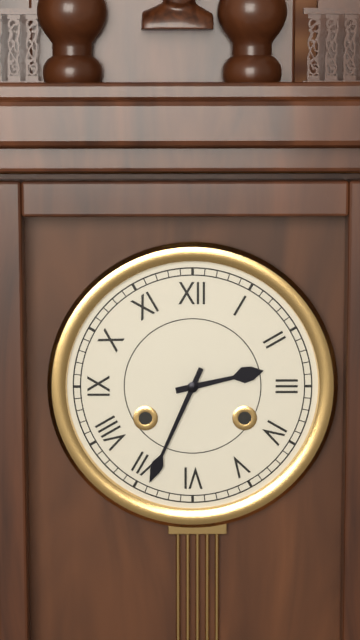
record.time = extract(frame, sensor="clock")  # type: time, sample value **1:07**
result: **2:34**
